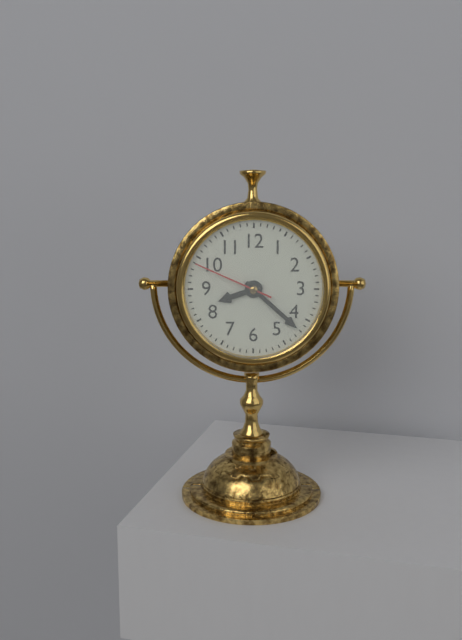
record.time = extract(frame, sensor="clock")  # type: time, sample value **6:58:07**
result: **8:22:49**
